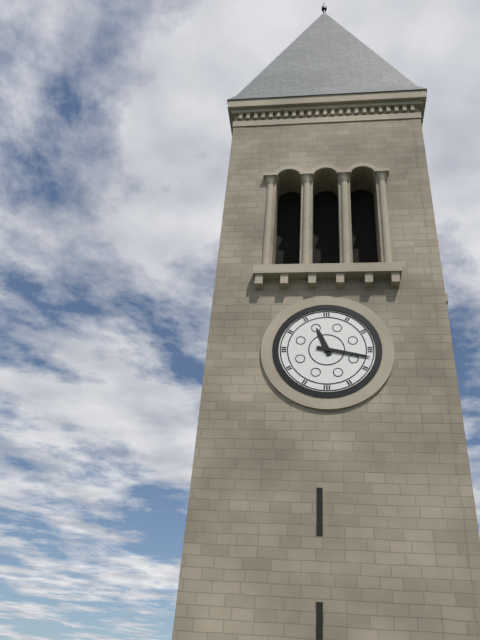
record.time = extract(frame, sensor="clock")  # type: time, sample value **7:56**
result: **11:17**
